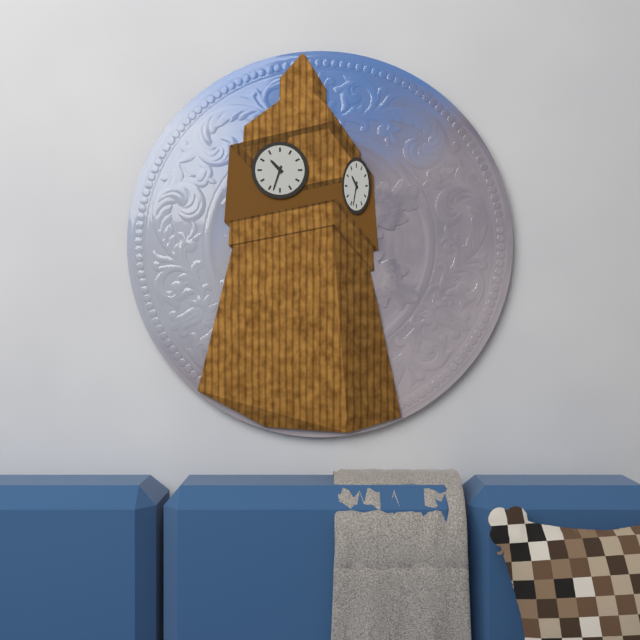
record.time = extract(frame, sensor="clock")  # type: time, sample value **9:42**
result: **10:33**
